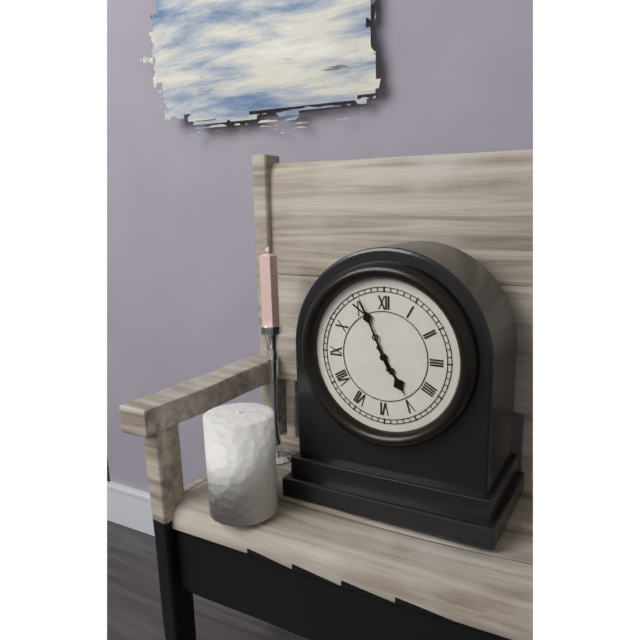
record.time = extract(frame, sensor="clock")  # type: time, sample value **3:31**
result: **4:56**
